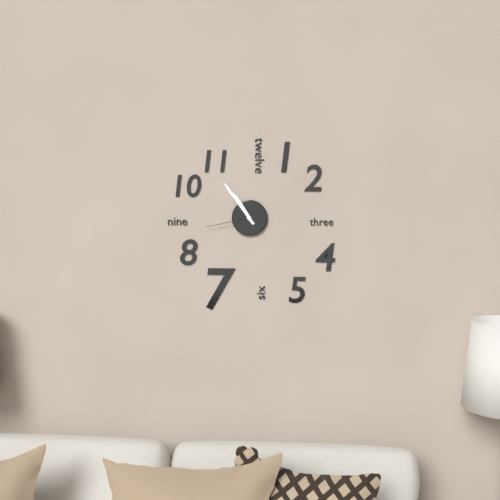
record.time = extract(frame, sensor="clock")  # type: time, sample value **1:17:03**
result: **10:54:43**
